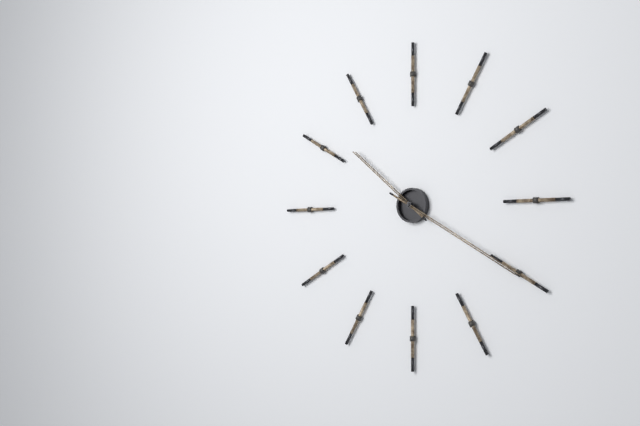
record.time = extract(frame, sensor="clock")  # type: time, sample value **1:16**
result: **10:20**
